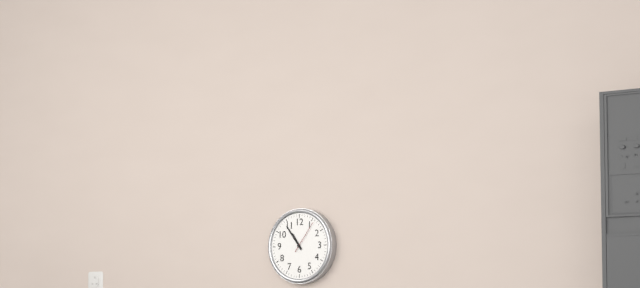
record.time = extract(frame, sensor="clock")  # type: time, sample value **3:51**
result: **10:54**
